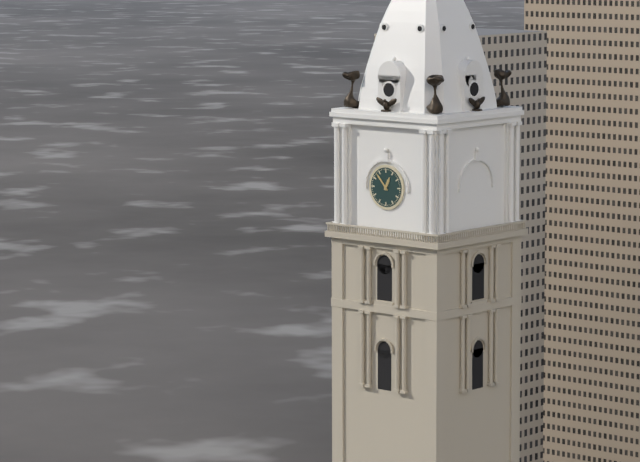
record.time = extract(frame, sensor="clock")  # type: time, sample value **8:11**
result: **12:53**
